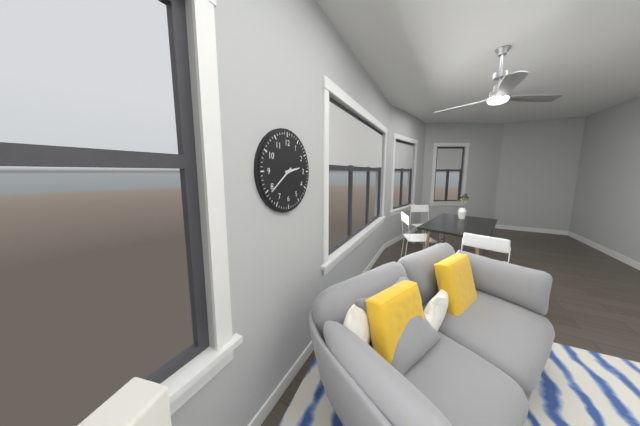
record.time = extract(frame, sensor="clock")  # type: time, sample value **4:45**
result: **2:39**
